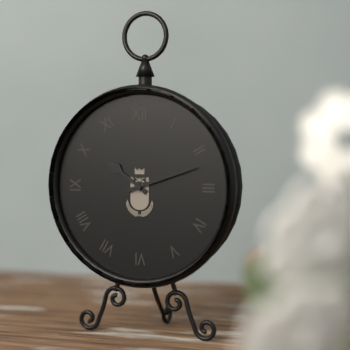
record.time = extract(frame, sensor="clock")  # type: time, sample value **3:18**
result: **10:12**
